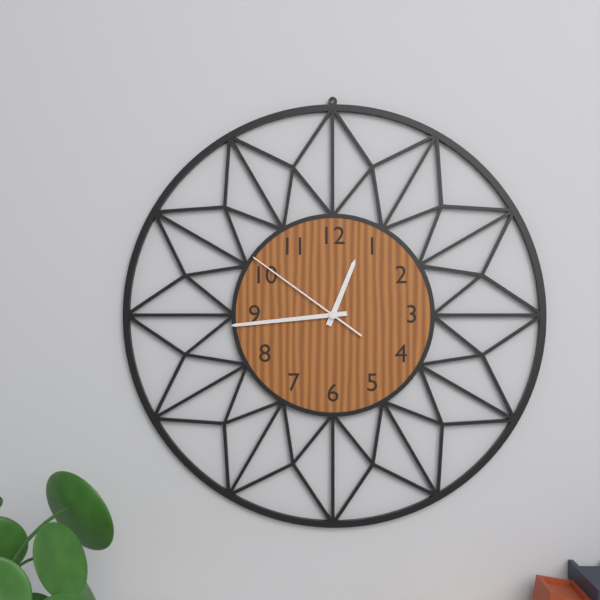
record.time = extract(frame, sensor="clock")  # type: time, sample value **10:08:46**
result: **12:44:51**
